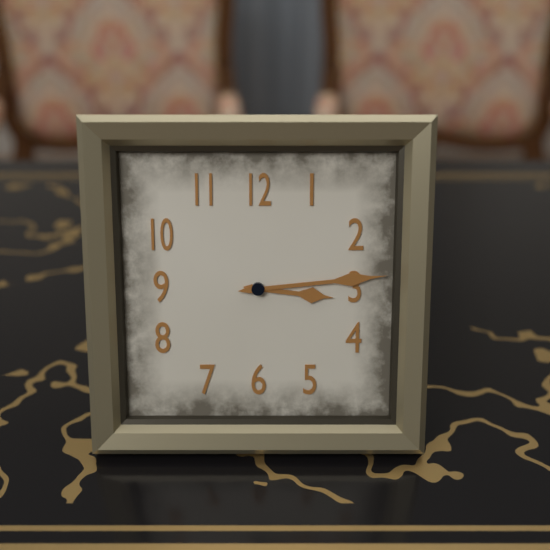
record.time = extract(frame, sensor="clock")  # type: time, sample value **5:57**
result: **3:14**
